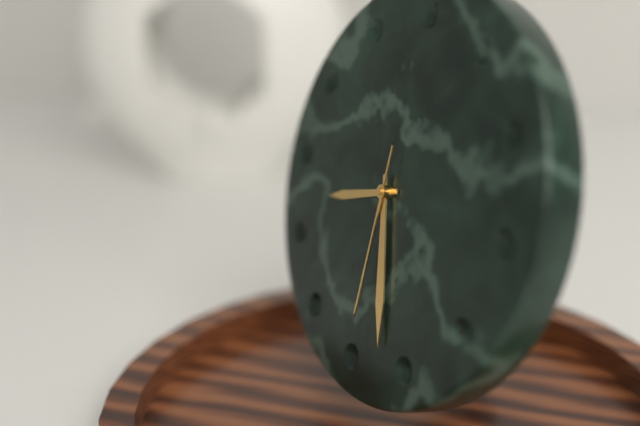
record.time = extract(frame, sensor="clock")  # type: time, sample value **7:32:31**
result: **8:27:30**
